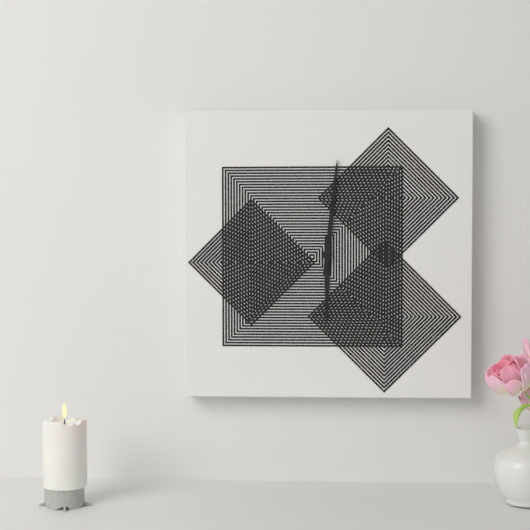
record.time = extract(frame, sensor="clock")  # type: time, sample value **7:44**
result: **6:01**
